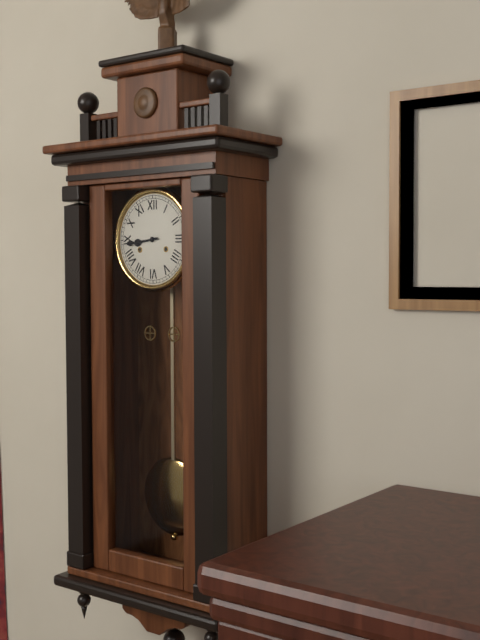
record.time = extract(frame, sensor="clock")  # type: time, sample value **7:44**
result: **8:44**
